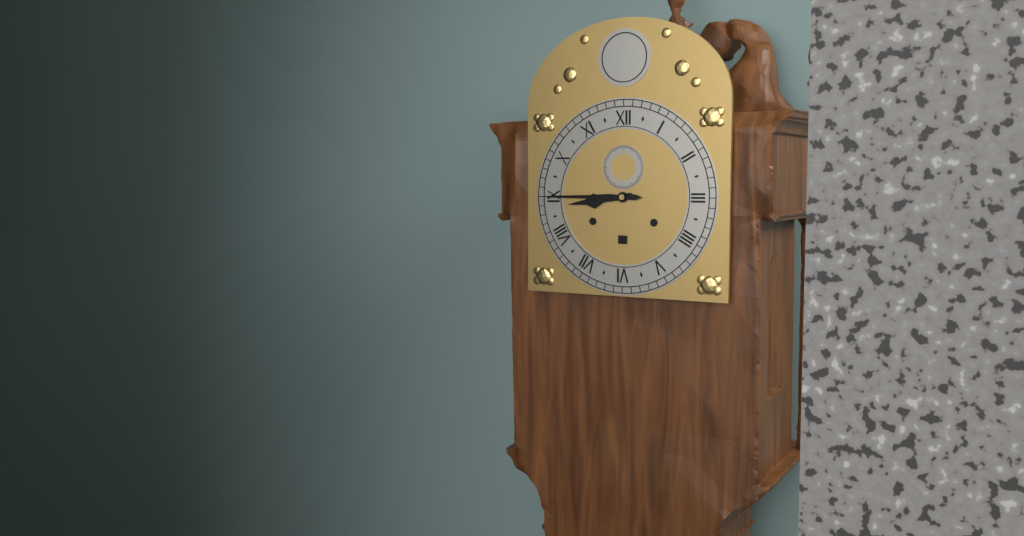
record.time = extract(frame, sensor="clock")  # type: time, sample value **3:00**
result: **8:45**
